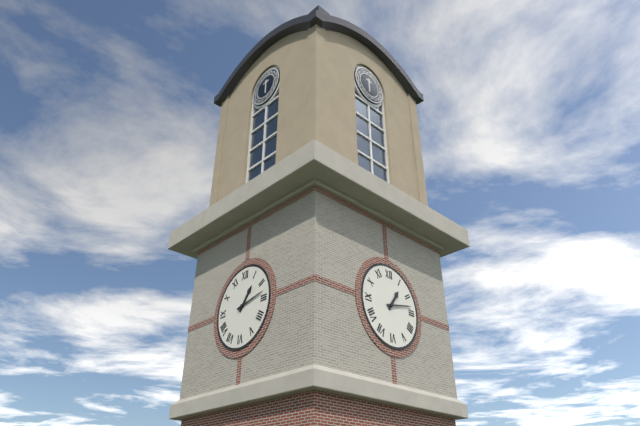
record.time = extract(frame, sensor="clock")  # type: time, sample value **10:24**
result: **1:13**
